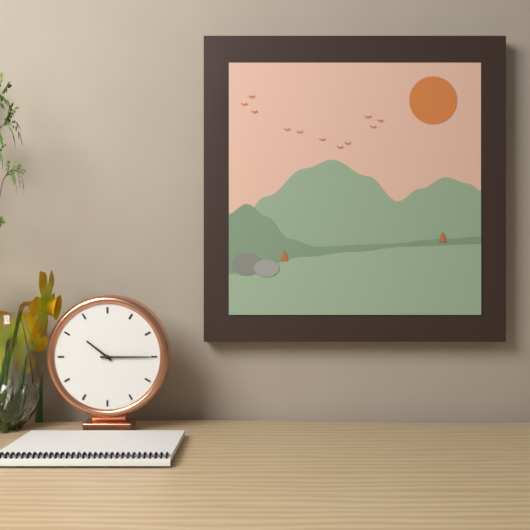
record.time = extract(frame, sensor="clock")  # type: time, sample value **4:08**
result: **10:15**
